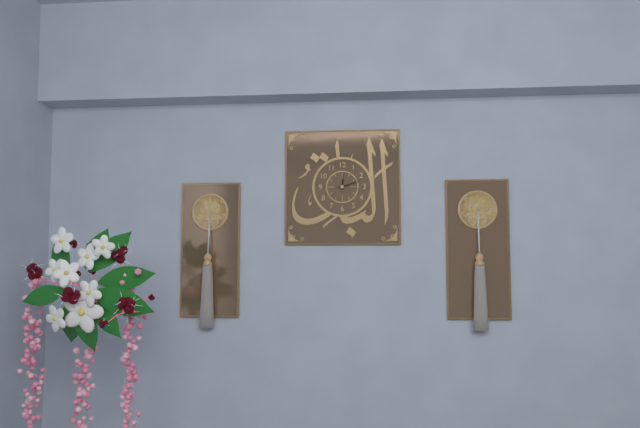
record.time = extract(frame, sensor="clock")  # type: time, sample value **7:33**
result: **12:12**
